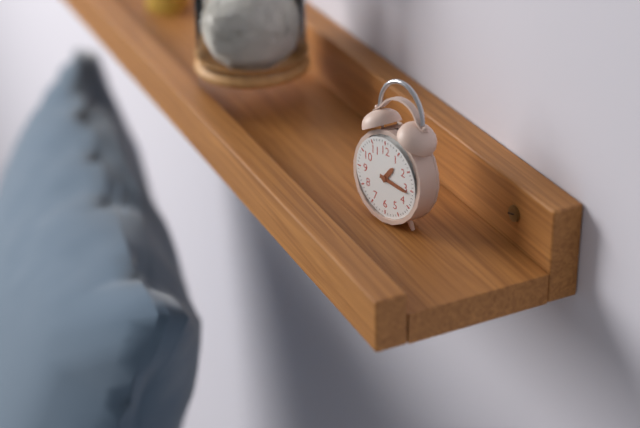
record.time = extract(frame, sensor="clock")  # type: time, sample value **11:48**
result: **1:16**
